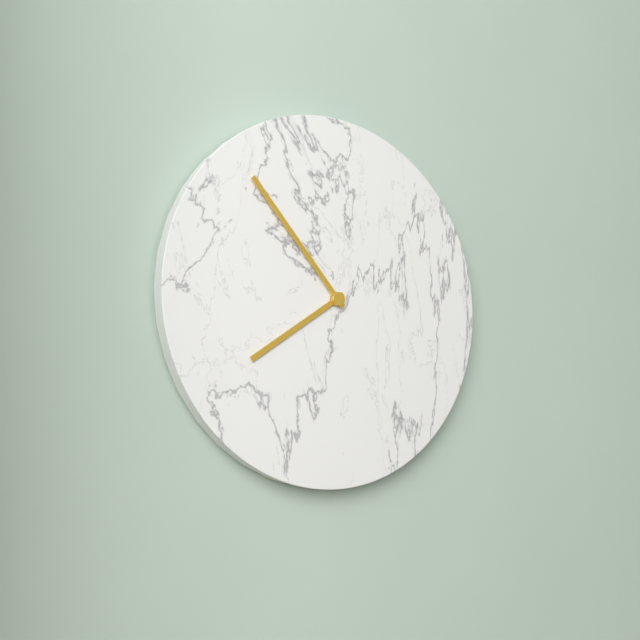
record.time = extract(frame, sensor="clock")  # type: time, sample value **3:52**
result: **7:53**
